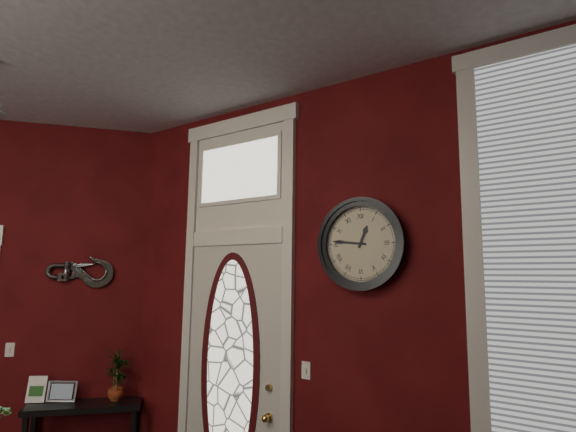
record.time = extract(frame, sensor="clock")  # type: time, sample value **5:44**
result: **12:46**
